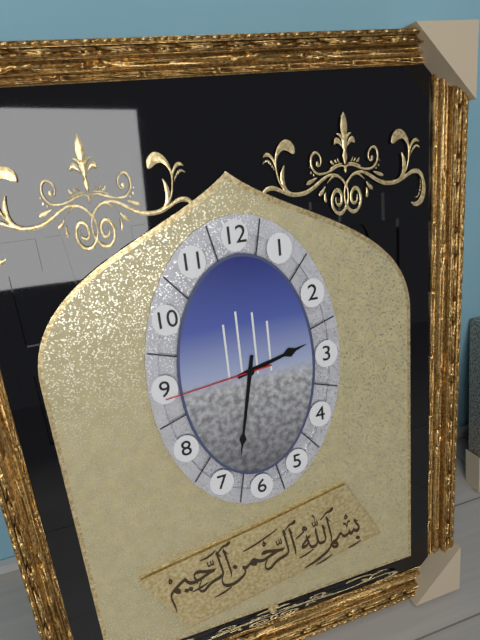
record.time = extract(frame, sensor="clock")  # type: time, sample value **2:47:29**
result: **2:32:44**
